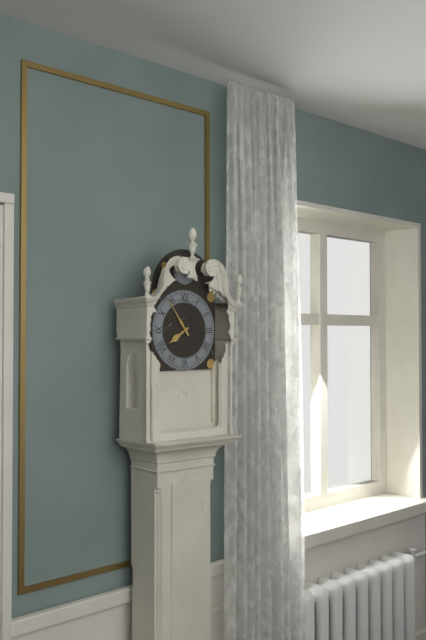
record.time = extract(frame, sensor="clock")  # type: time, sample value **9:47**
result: **7:54**
